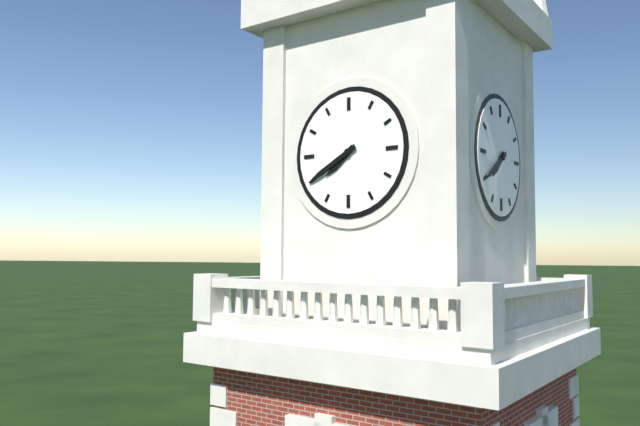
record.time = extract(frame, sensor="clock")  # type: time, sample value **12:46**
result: **7:40**
